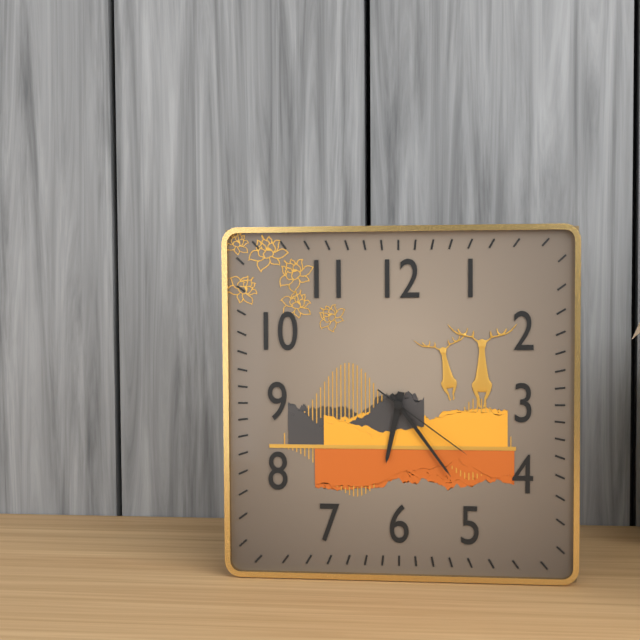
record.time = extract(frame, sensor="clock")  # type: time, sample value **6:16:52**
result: **6:24:21**
